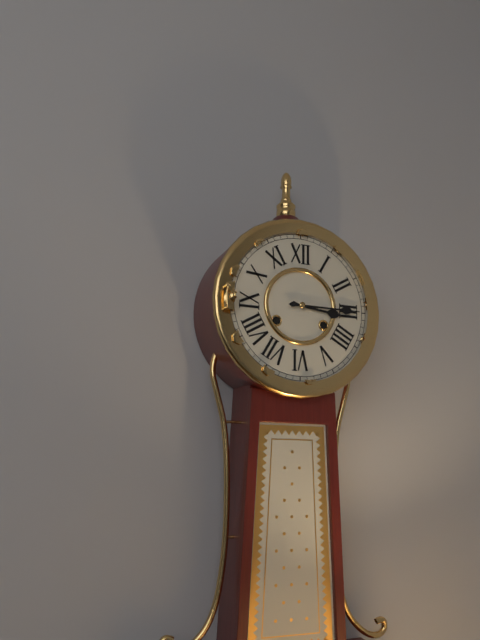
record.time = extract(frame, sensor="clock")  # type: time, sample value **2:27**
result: **3:15**
